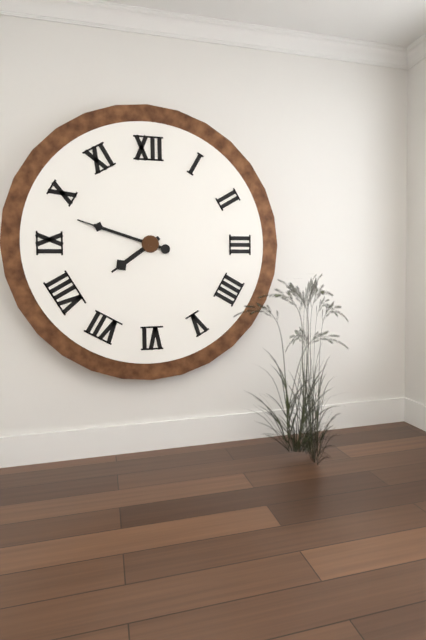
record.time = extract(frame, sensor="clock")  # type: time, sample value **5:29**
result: **7:48**
